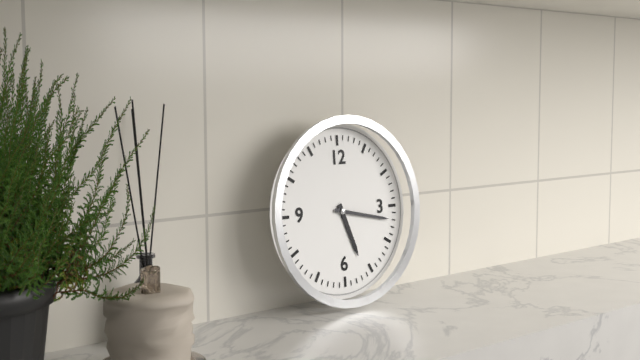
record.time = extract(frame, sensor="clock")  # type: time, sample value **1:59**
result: **5:17**
